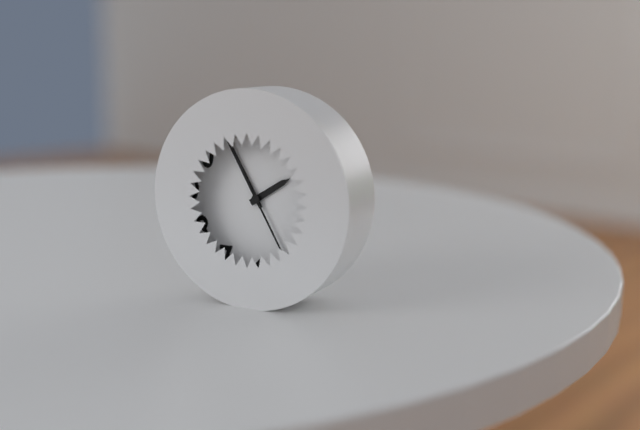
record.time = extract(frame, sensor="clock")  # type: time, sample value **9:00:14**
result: **1:55:25**
